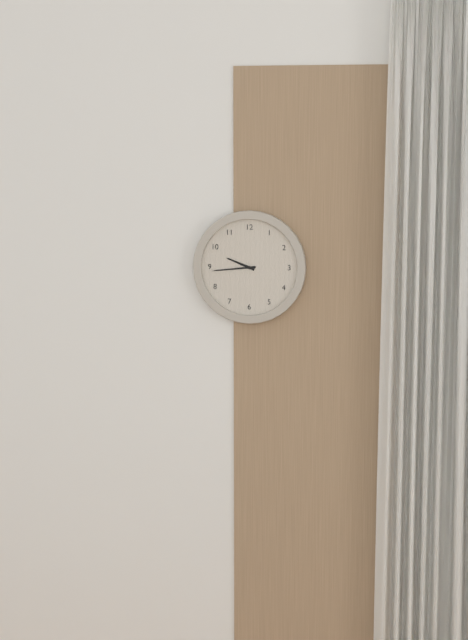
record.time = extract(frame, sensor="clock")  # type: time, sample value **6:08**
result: **9:44**
